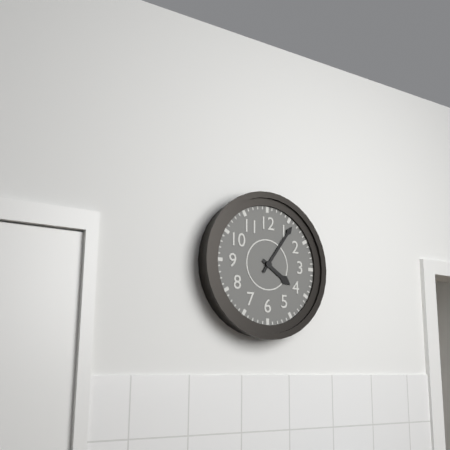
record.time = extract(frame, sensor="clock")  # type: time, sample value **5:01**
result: **4:06**
